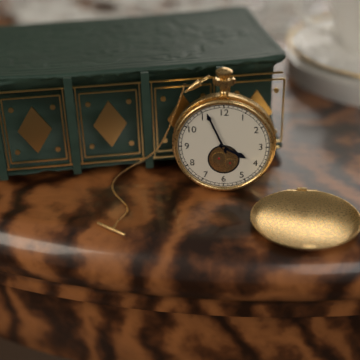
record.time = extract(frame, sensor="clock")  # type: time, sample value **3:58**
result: **3:56**
